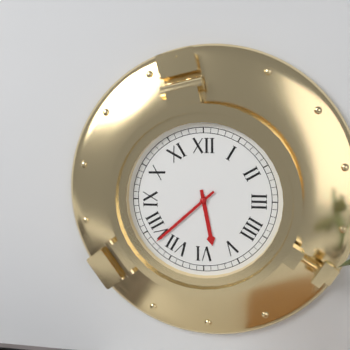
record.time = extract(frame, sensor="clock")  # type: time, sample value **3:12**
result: **5:38**
